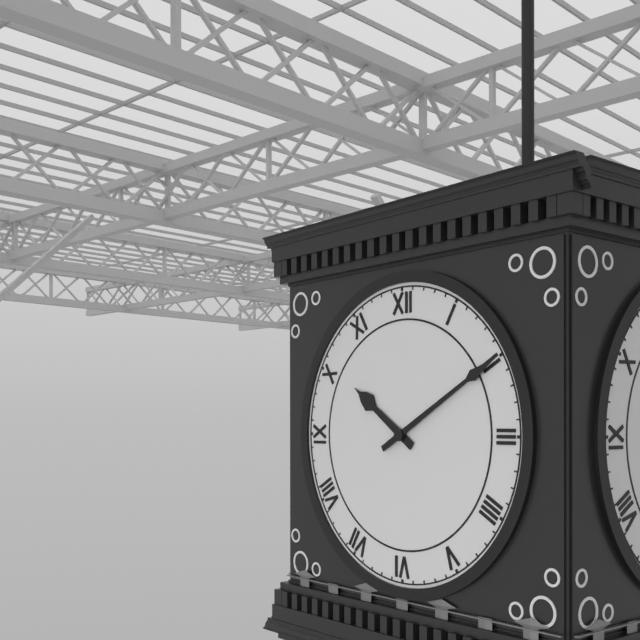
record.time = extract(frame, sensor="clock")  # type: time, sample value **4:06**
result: **10:10**
